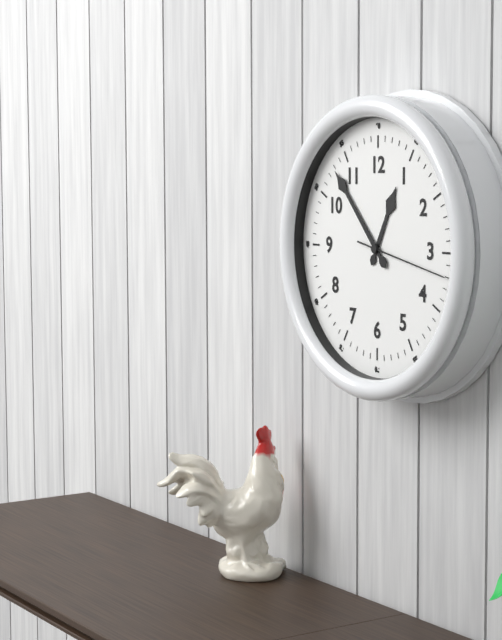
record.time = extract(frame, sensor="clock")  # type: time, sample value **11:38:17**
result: **12:53:17**
